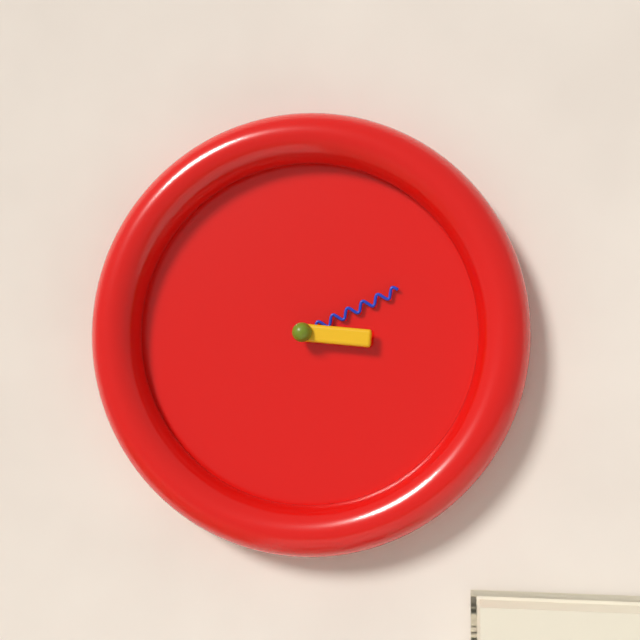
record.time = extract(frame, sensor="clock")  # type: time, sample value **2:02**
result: **3:11**
